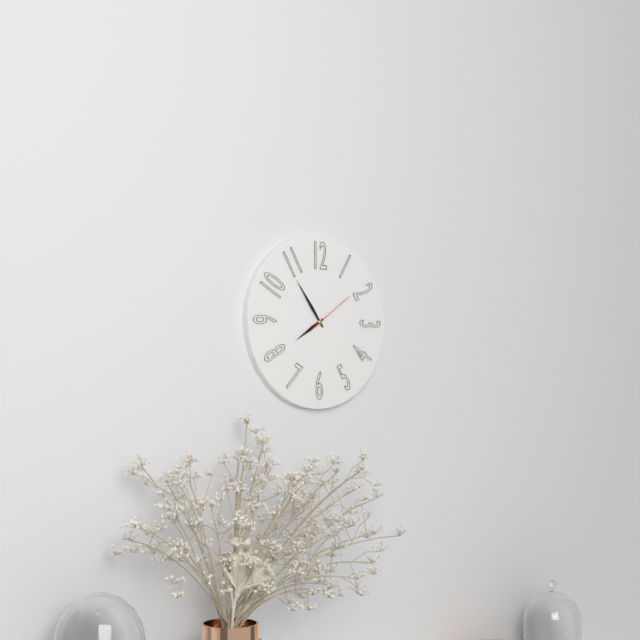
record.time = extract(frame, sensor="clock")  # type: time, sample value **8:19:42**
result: **7:54:09**
